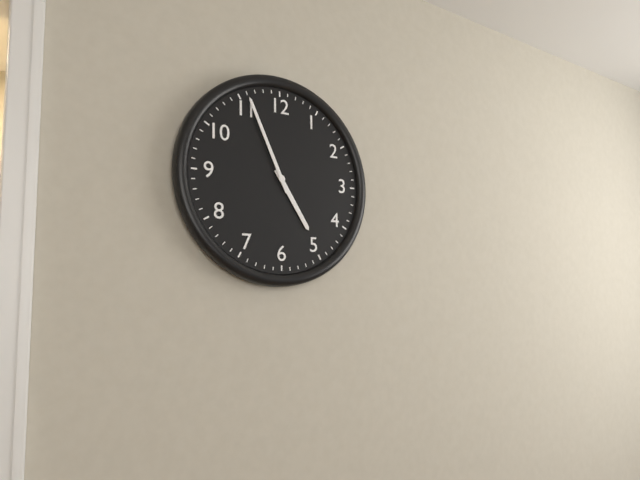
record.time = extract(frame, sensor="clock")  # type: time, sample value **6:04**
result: **4:56**
